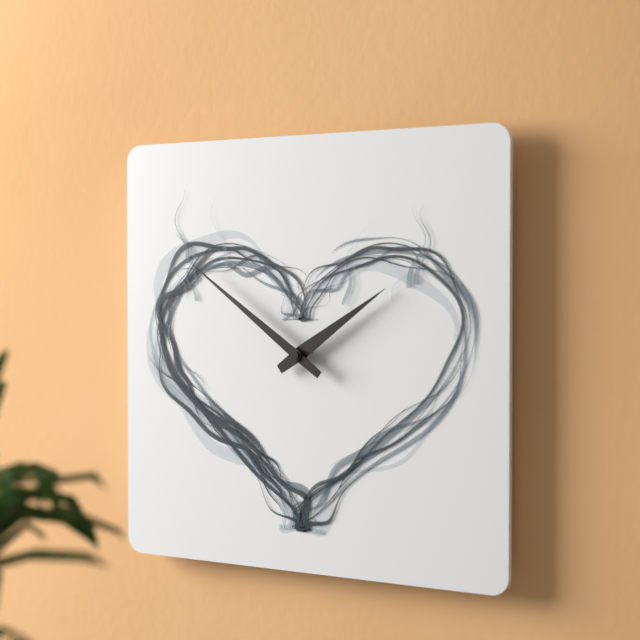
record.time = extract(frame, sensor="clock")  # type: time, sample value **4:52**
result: **1:51**
